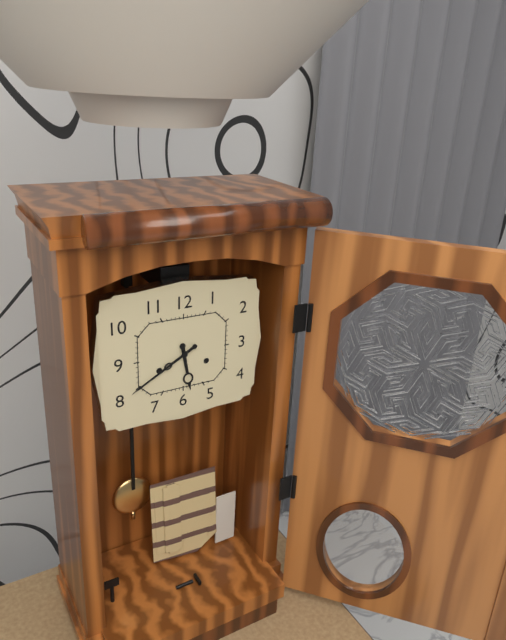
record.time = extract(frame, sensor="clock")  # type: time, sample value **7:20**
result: **5:40**
